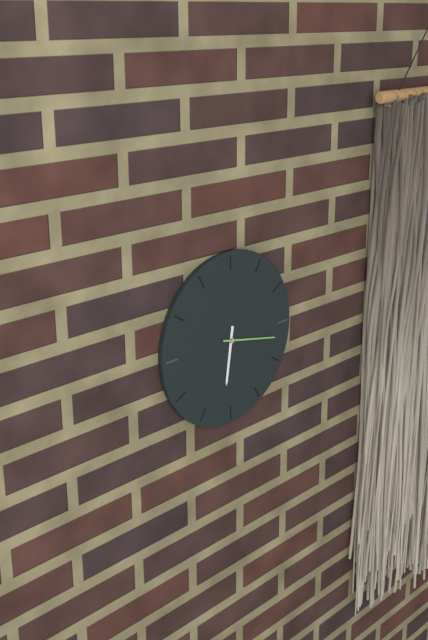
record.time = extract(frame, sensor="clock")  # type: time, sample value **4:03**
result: **6:17**
